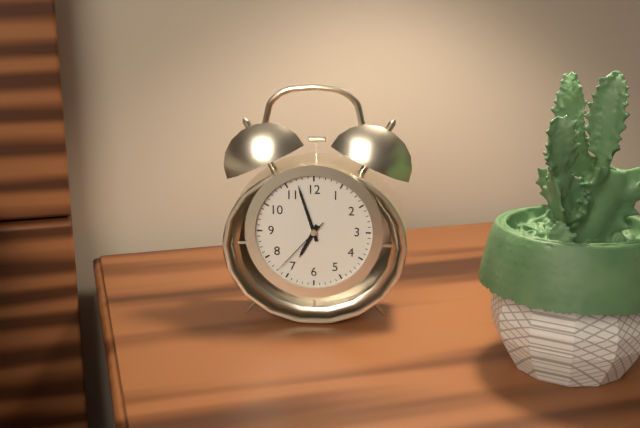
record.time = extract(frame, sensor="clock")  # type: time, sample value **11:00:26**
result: **6:57:37**
